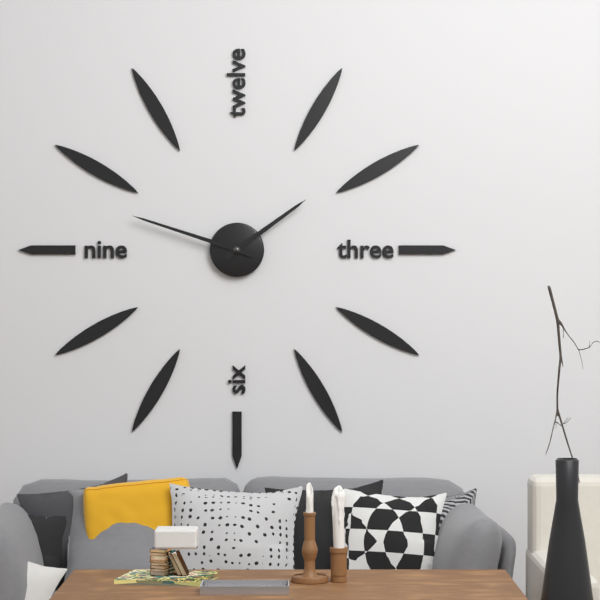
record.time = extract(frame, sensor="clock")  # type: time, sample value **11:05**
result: **1:48**
